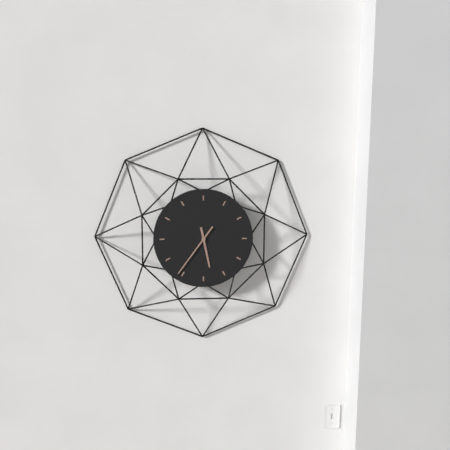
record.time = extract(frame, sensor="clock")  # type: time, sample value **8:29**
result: **5:36**
